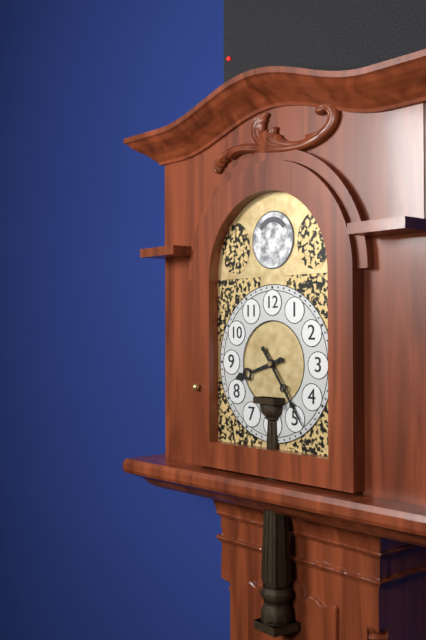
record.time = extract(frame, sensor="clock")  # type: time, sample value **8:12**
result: **8:24**
